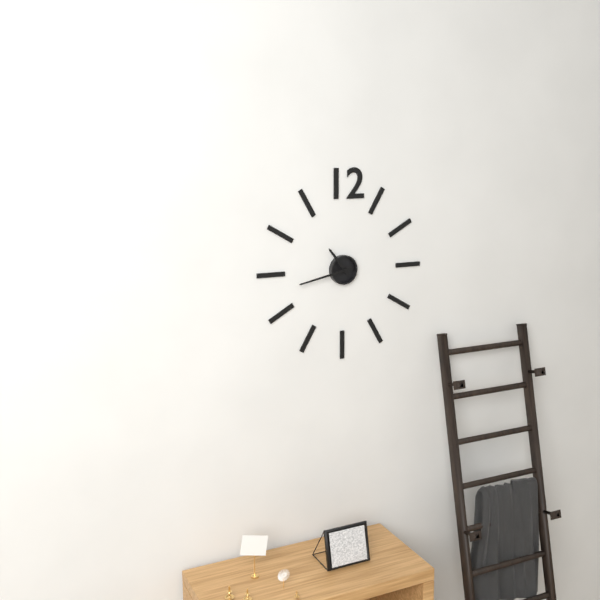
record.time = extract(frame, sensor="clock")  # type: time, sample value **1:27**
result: **10:43**
